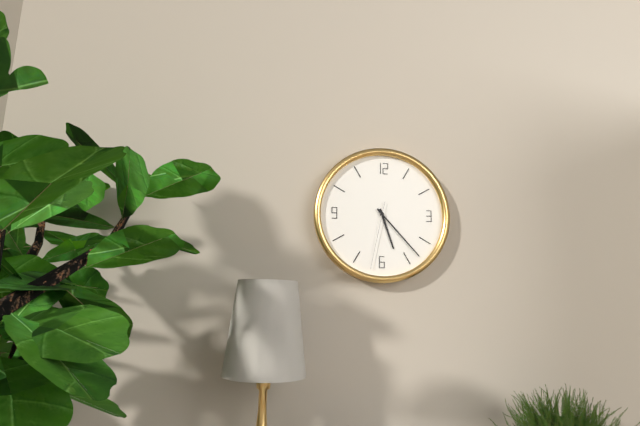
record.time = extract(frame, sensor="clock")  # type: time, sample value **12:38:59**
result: **5:23:32**
